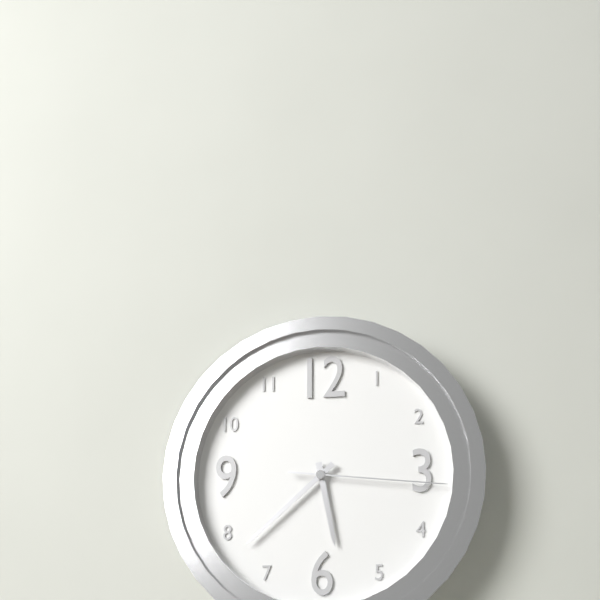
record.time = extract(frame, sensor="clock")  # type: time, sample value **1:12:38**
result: **5:38:16**
